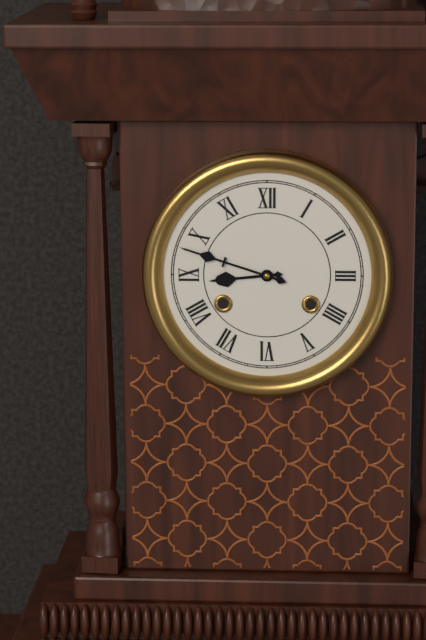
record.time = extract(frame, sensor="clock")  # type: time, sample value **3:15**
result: **8:48**
